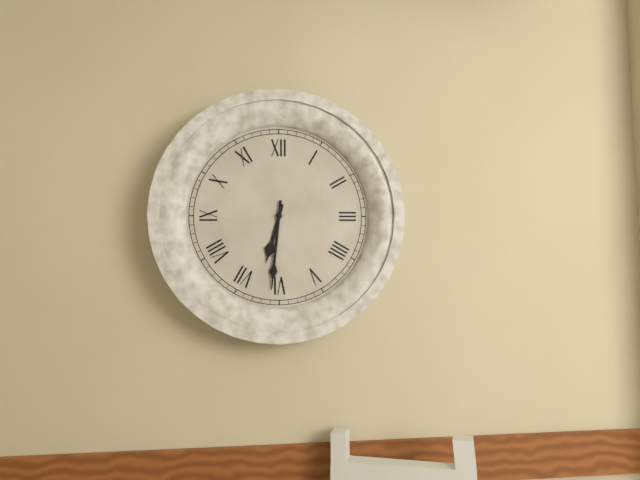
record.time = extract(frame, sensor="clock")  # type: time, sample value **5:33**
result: **6:31**
